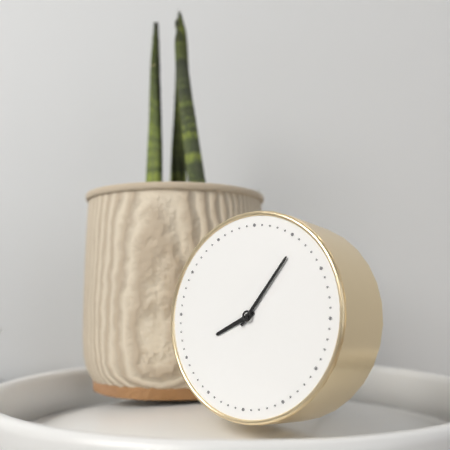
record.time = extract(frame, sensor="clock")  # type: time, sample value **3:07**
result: **8:06**
